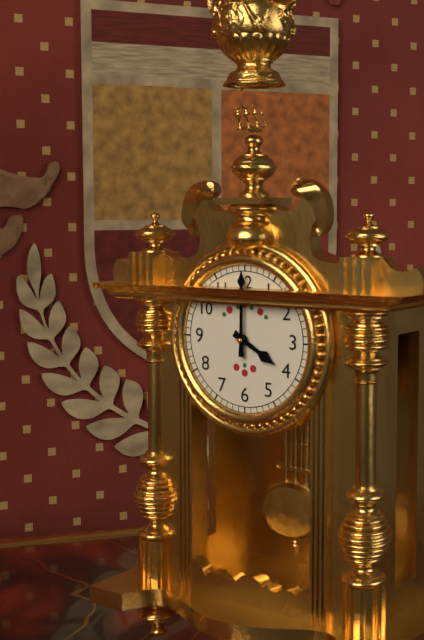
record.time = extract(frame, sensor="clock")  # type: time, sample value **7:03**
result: **4:00**
